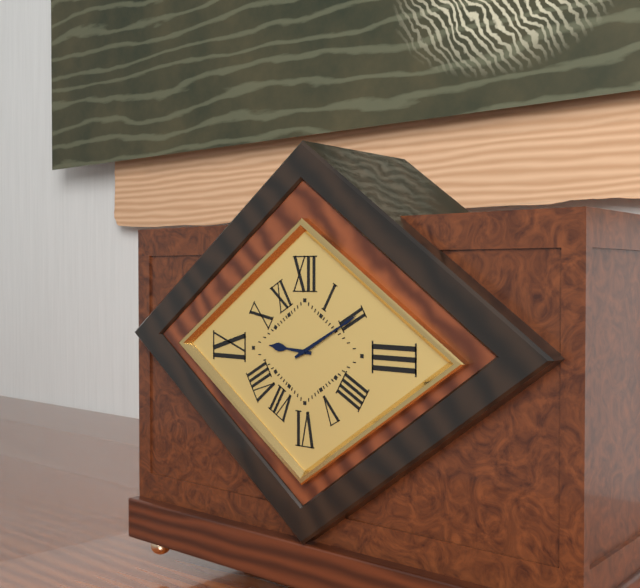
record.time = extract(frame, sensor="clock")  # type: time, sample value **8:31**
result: **9:10**
